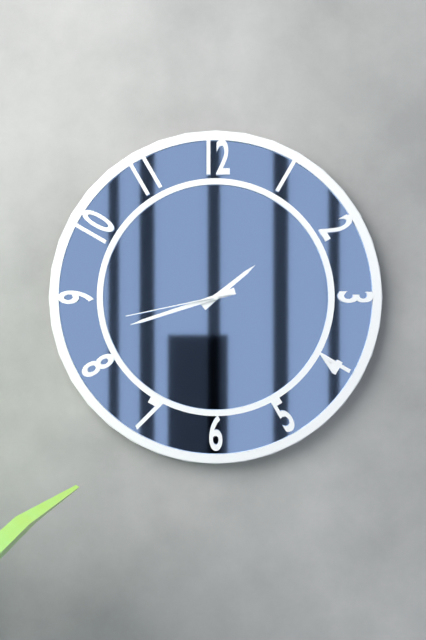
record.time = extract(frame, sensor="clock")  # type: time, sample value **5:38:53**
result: **1:42:43**
